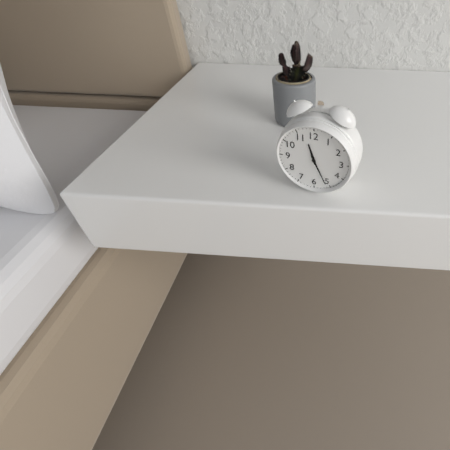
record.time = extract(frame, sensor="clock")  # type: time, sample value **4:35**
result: **11:26**
